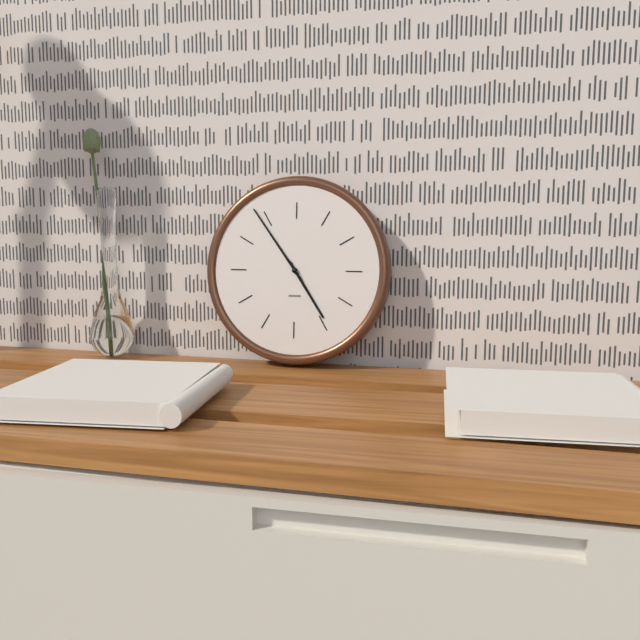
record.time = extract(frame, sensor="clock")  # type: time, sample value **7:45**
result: **4:54**
